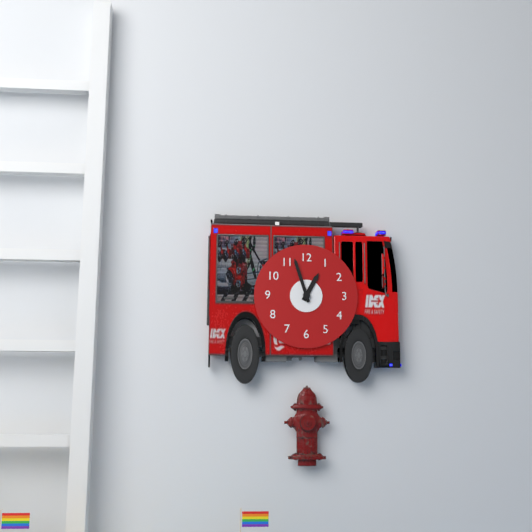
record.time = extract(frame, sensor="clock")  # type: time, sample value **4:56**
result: **12:57**
